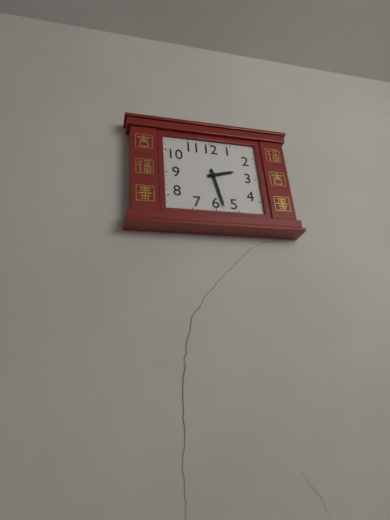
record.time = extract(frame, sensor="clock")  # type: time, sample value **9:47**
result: **2:28**
